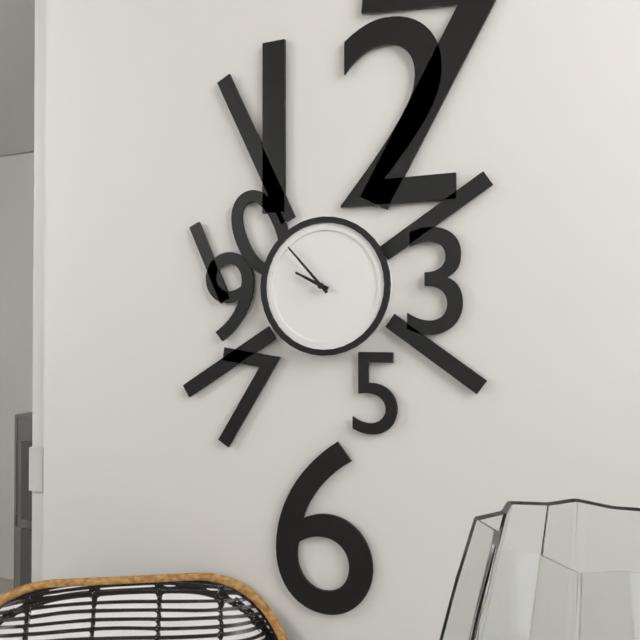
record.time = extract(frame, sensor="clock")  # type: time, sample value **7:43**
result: **9:53**
